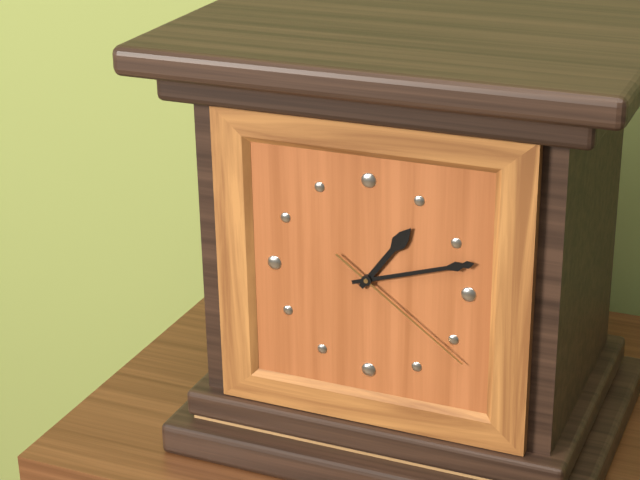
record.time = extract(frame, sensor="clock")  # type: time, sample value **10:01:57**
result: **1:12:21**
